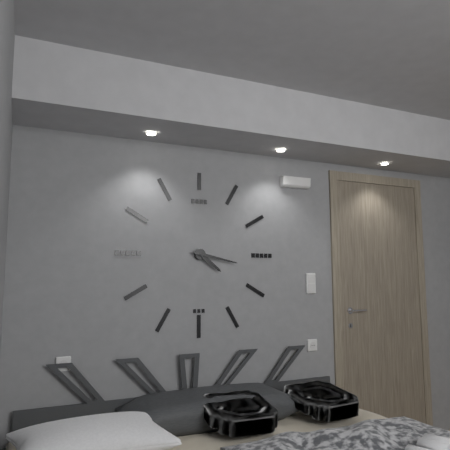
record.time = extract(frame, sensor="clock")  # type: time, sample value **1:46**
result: **4:17**
